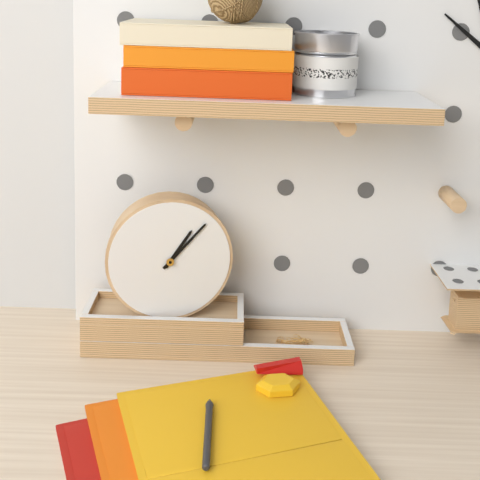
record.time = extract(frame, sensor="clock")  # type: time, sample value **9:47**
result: **1:07**
